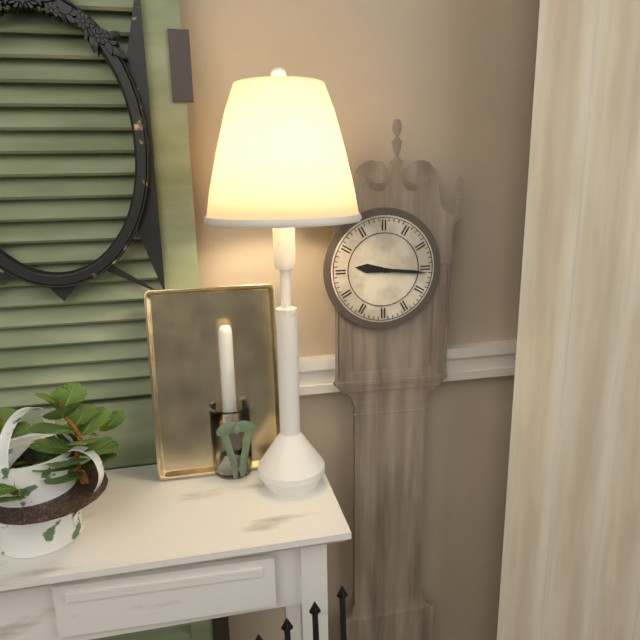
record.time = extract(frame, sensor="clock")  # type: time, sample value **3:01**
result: **9:16**
